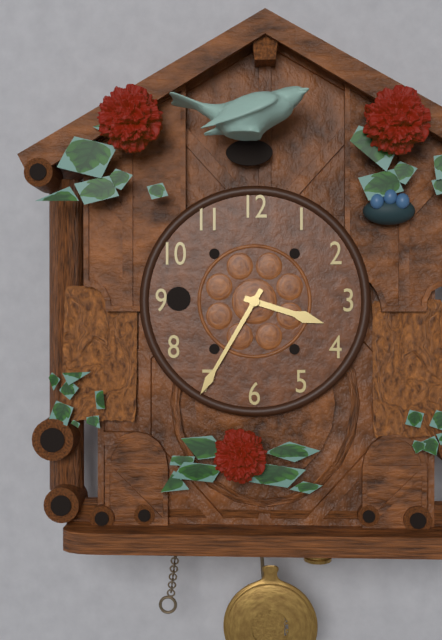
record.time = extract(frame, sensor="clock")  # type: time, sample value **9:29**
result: **3:35**
